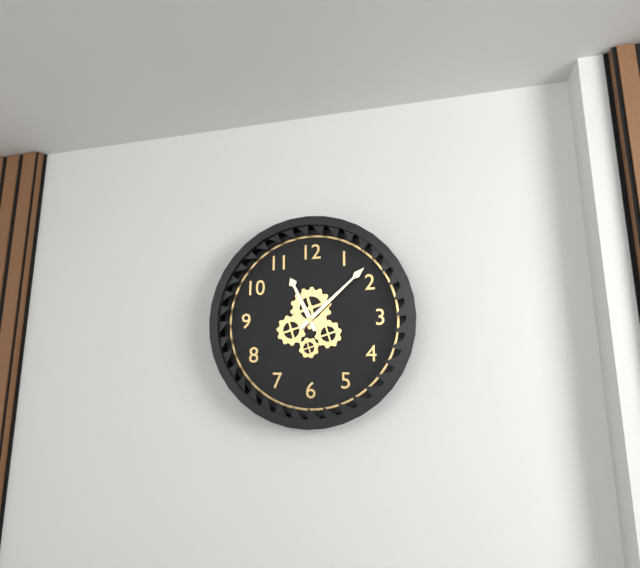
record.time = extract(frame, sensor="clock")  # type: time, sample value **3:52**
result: **11:08**
